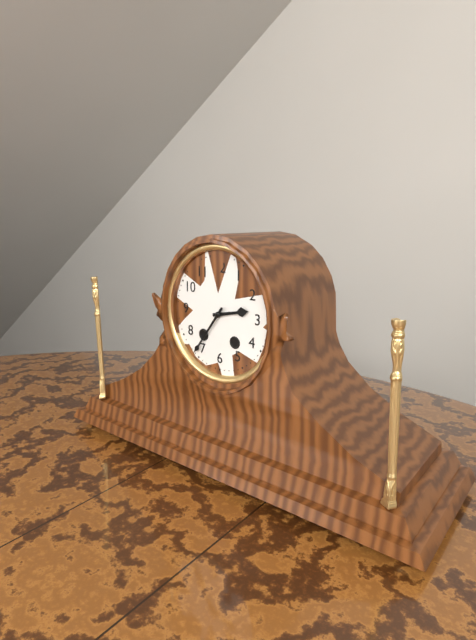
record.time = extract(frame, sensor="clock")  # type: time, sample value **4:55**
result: **2:36**
